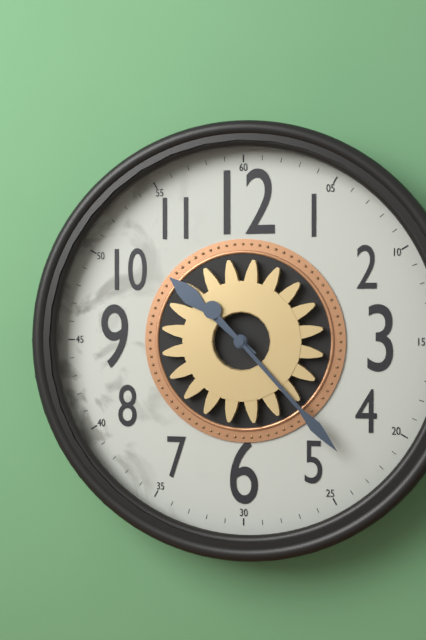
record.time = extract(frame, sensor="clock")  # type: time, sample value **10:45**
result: **10:23**
